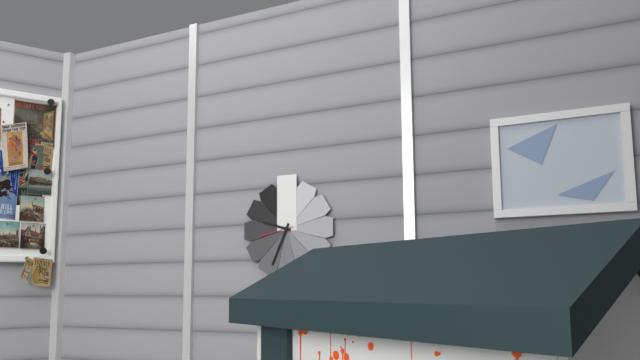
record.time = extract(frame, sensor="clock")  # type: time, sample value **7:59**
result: **9:34**
